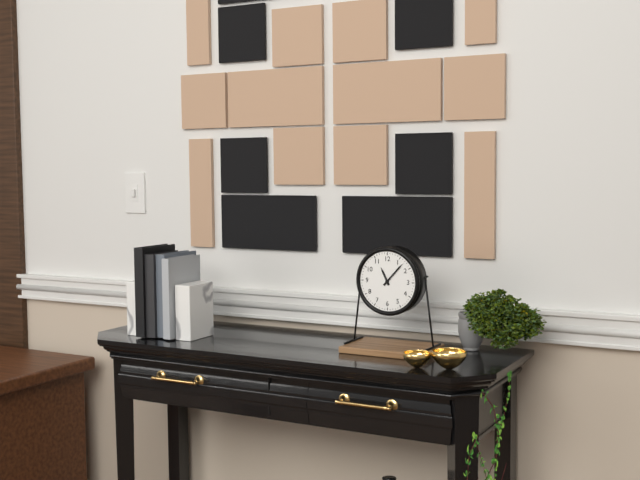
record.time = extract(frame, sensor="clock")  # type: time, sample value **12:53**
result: **11:07**
